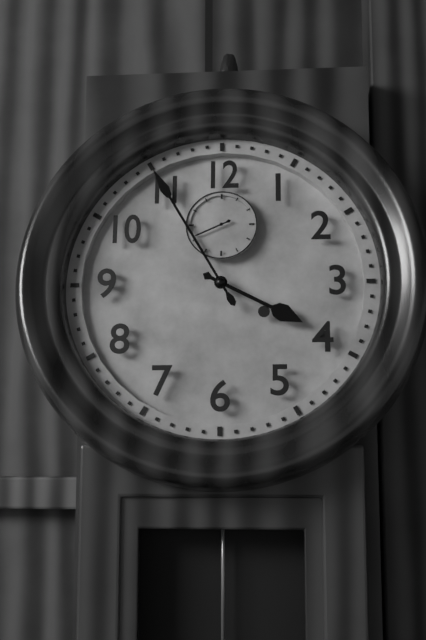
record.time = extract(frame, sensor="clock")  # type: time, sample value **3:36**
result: **3:55**
